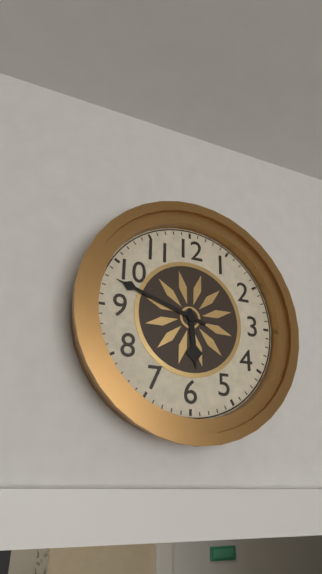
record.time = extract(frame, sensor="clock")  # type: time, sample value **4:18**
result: **5:48**
